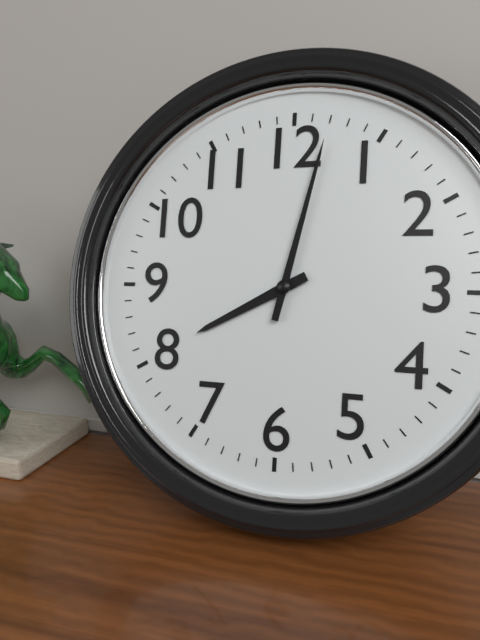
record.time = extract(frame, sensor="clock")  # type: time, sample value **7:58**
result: **8:02**
